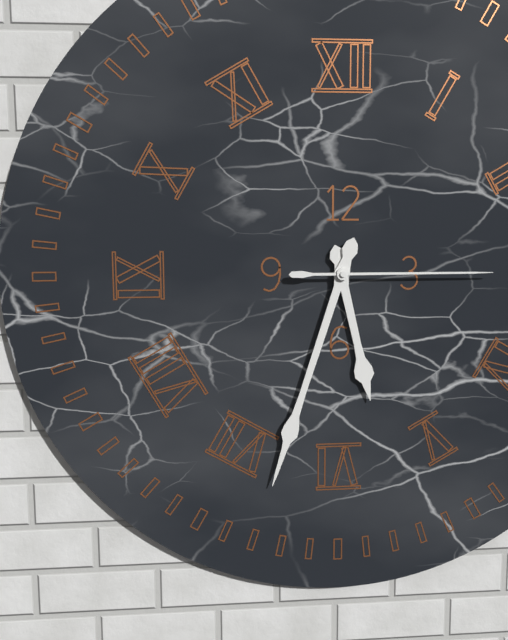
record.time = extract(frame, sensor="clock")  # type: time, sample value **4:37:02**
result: **5:33:15**
